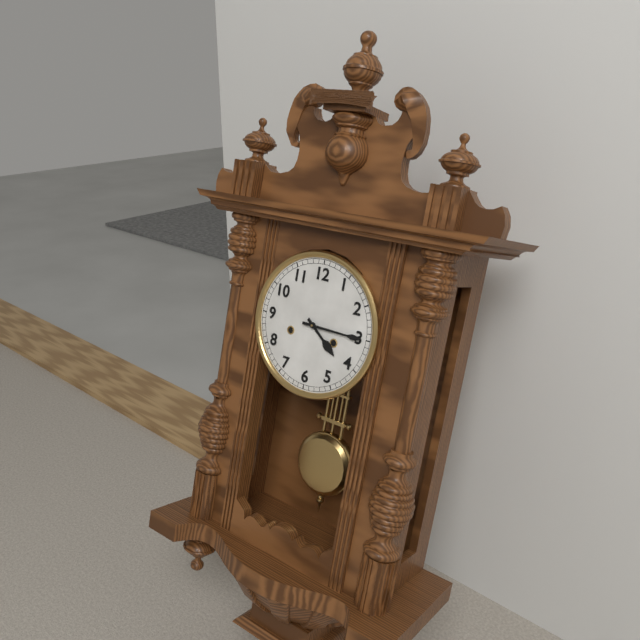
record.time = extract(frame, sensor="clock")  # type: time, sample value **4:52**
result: **4:15**
